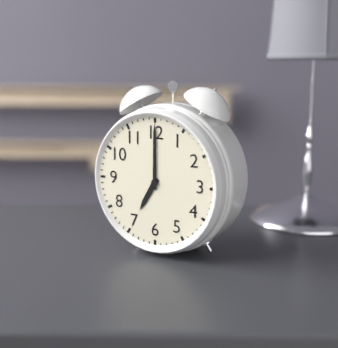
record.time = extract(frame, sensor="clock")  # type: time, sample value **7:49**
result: **7:00**
